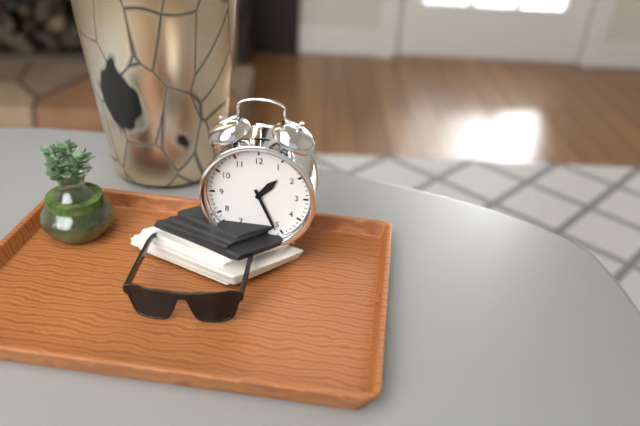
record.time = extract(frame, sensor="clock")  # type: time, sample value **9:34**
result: **1:26**
